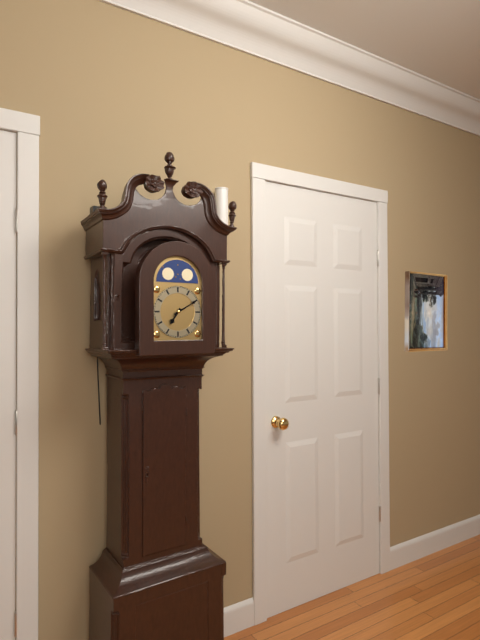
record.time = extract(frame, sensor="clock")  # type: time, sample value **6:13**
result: **7:10**
